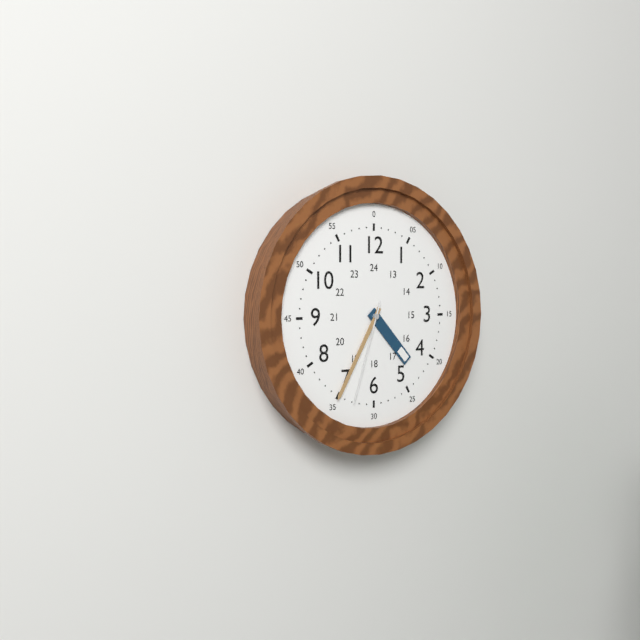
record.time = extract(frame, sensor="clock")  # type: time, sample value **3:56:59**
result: **4:35:33**
